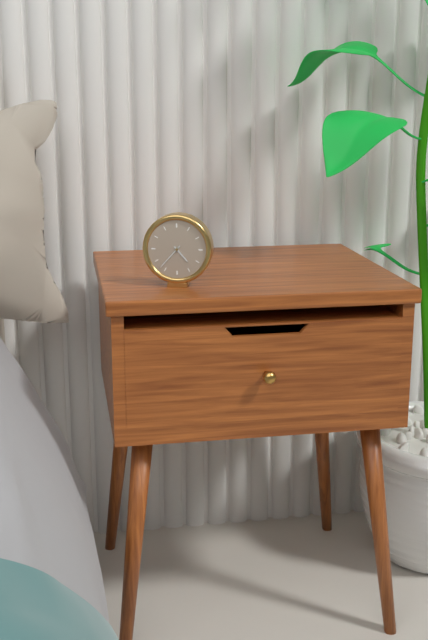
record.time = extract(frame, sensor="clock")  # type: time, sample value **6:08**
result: **4:37**
